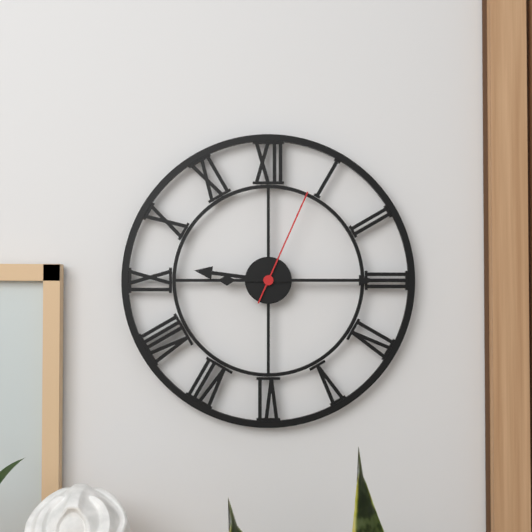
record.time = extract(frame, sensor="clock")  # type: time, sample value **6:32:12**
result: **9:15:04**
